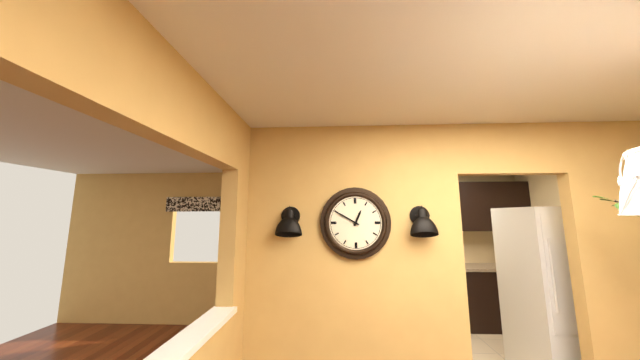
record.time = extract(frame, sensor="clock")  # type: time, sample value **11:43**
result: **12:50**
